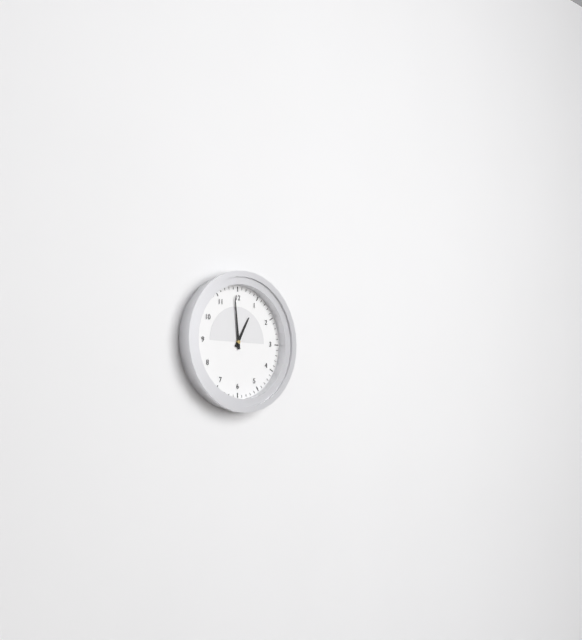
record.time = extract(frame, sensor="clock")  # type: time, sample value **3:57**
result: **12:59**
